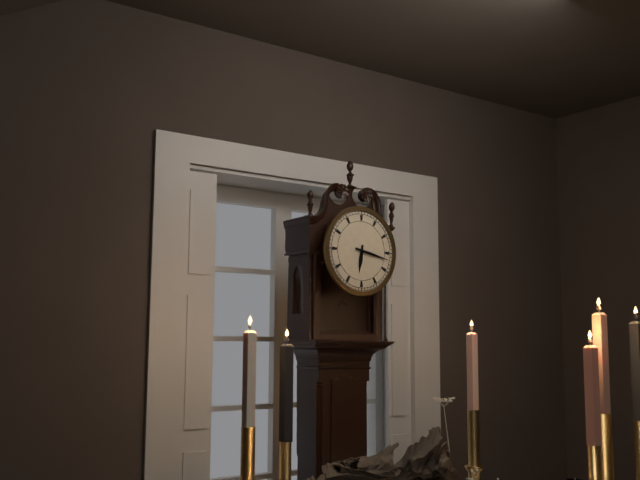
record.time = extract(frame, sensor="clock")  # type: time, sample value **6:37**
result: **6:17**
